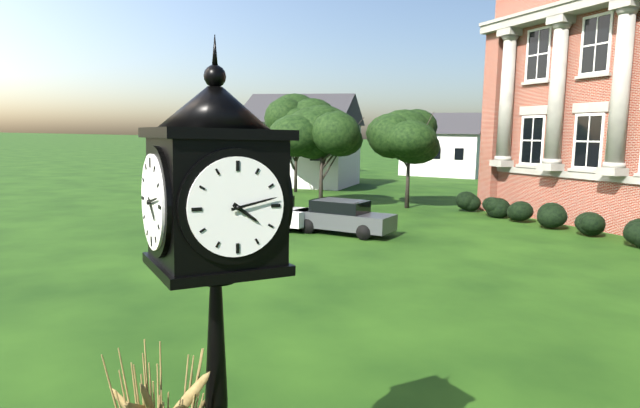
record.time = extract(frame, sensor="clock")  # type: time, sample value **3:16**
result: **4:13**
